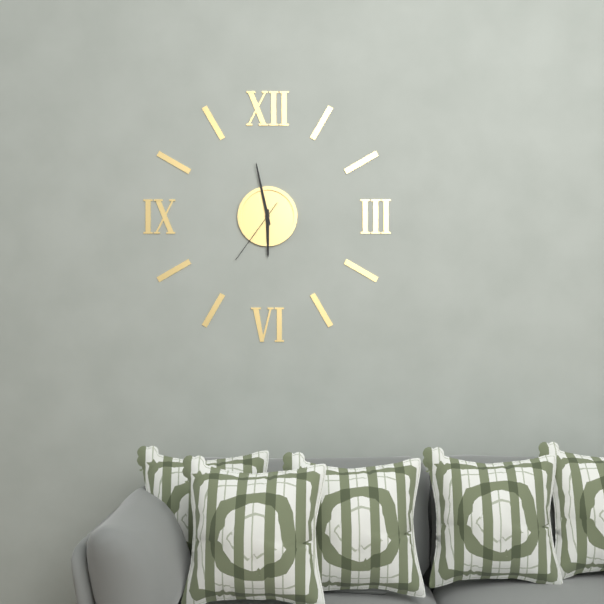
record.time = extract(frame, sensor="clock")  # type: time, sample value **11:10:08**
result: **5:58:36**
